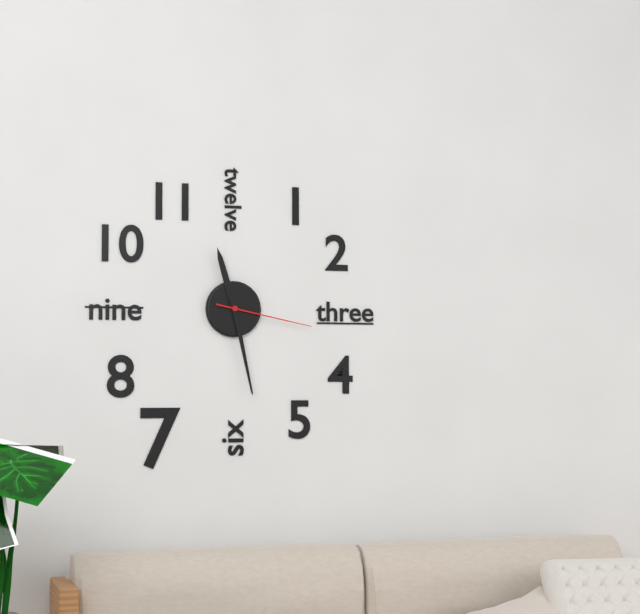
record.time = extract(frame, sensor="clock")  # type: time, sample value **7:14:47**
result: **11:28:17**
